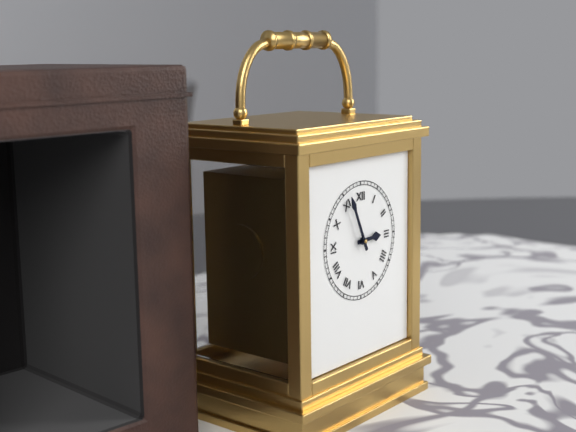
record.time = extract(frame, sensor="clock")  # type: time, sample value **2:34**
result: **2:56**
